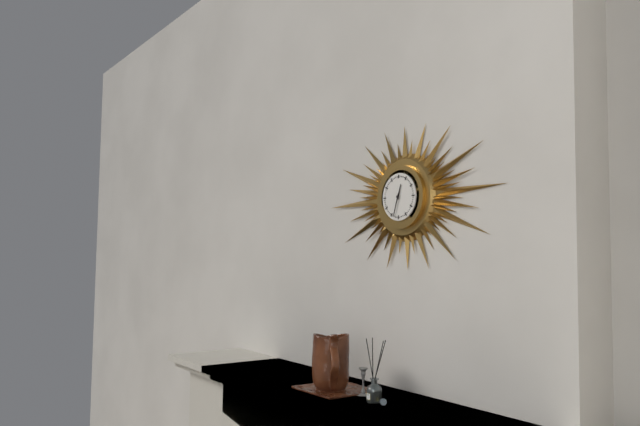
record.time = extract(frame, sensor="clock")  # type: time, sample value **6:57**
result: **12:33**
